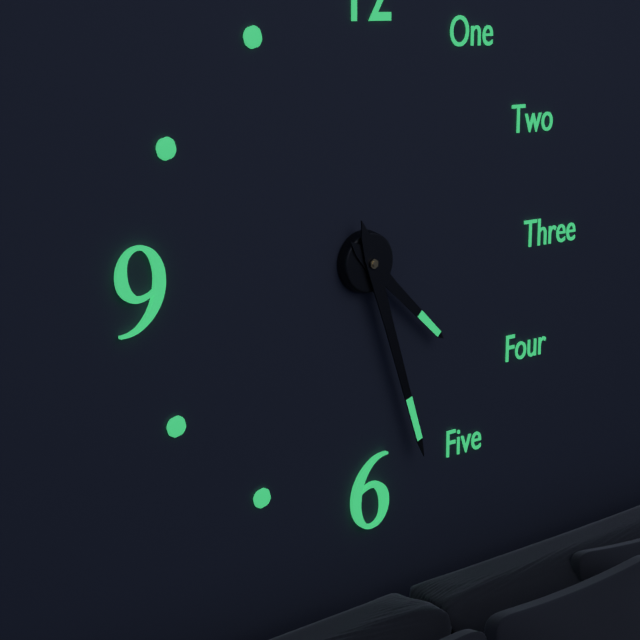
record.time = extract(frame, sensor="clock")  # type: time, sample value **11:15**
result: **4:27**
